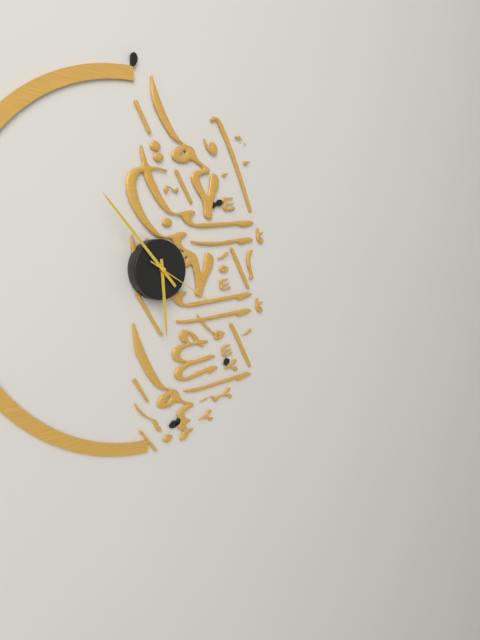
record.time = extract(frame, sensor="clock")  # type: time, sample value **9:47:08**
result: **5:53:20**
